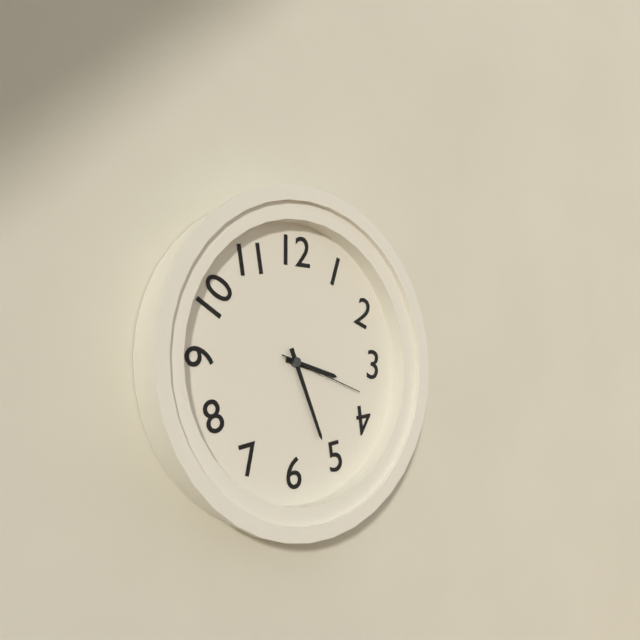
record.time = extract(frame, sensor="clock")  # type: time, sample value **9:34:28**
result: **3:26:18**
